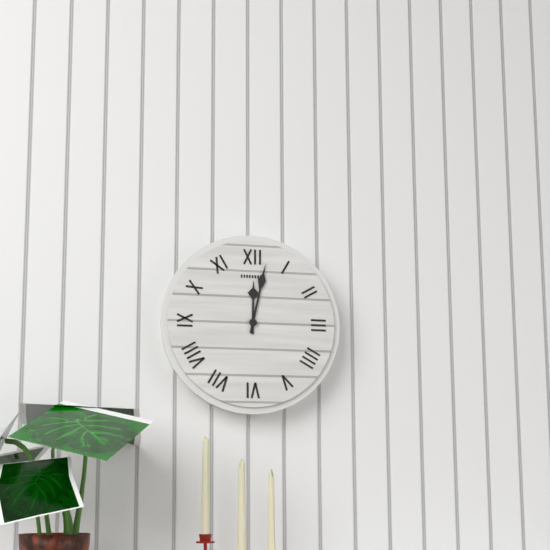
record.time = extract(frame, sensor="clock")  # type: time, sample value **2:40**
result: **12:02**
